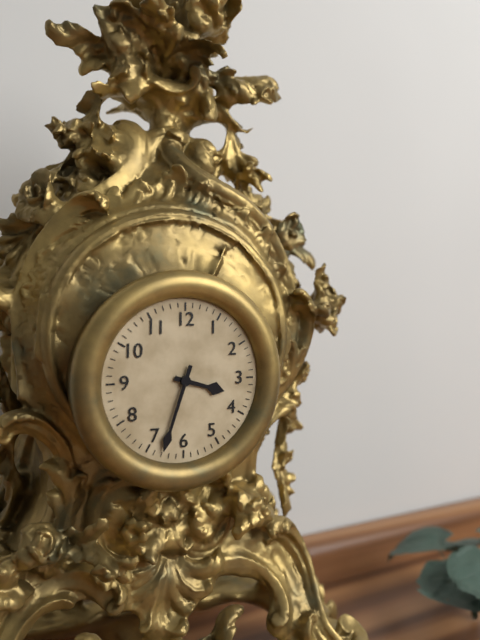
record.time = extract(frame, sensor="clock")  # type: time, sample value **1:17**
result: **3:33**
